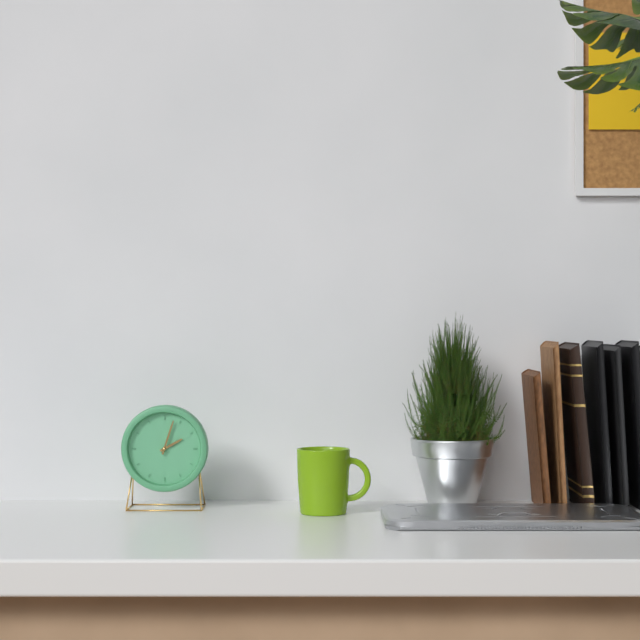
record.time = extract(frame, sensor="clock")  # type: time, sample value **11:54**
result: **2:03**
